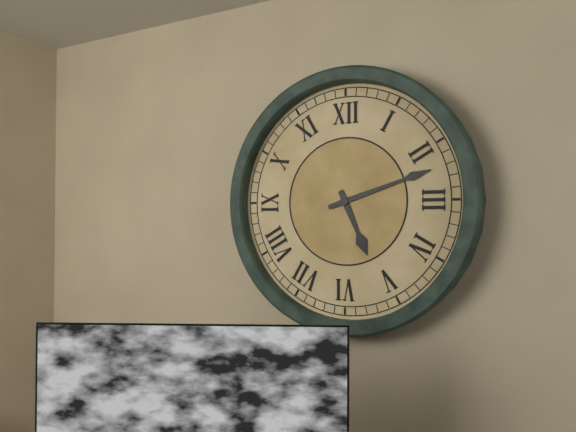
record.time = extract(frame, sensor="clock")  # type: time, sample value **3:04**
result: **5:12**
